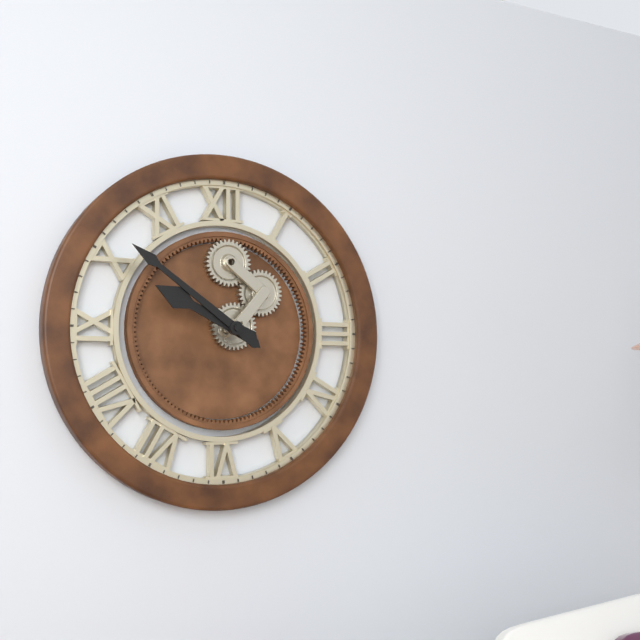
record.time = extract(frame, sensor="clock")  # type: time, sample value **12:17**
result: **9:51**
